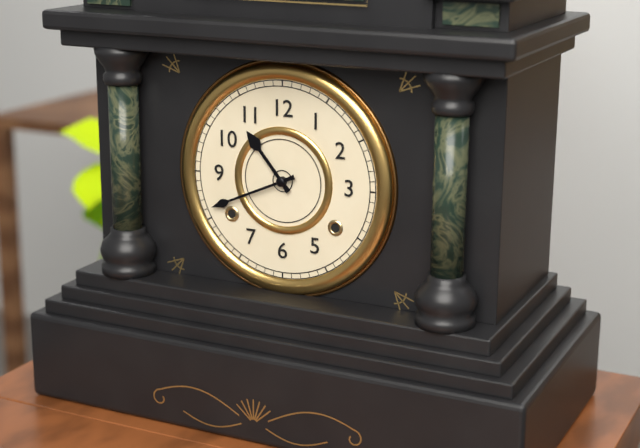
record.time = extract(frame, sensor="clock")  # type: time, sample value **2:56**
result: **10:41**
